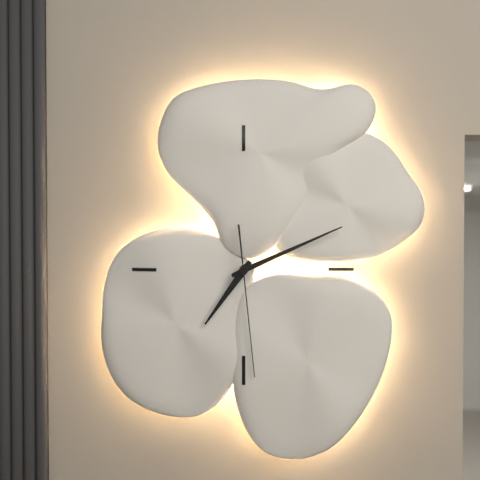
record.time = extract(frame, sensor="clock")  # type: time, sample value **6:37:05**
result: **7:11:29**
